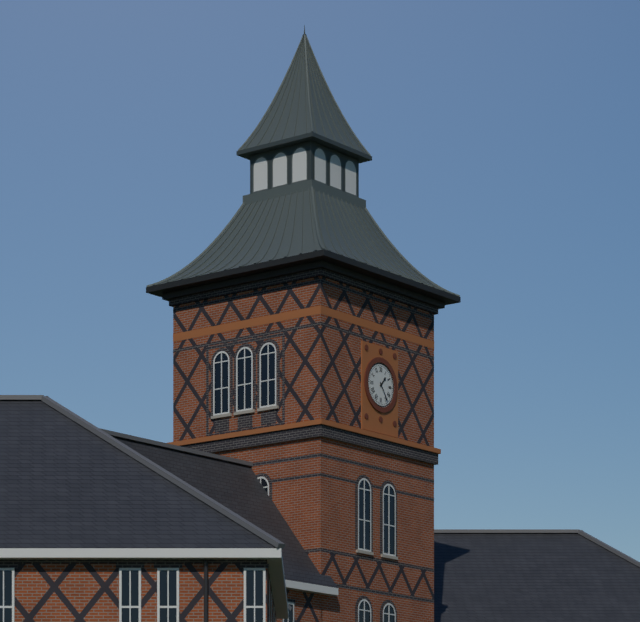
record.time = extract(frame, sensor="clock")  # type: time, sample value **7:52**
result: **1:24**
